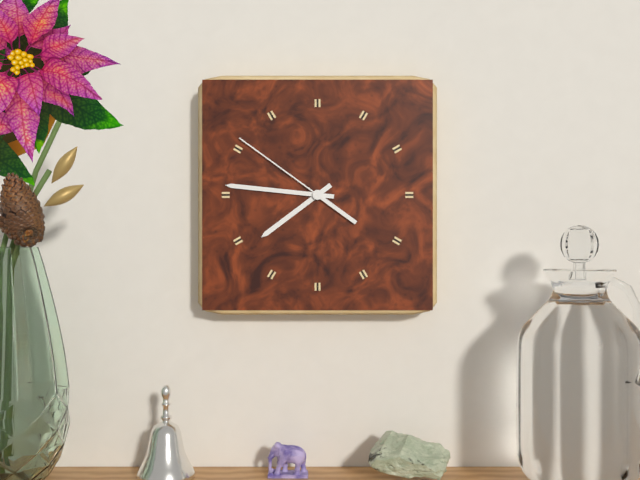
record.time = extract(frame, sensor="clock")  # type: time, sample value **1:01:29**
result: **7:46:51**
